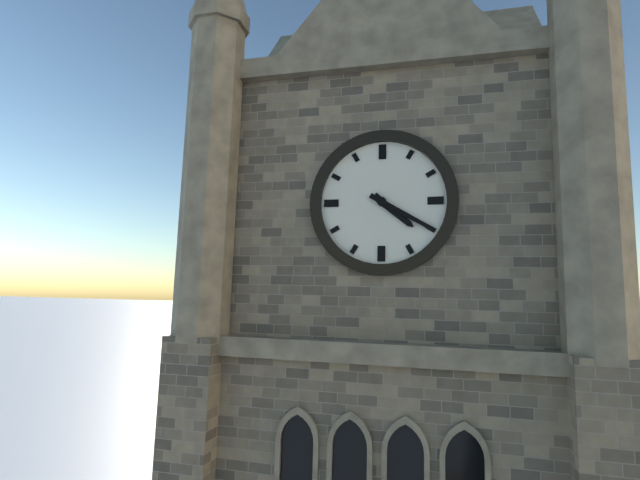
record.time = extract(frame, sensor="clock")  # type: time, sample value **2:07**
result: **4:20**
